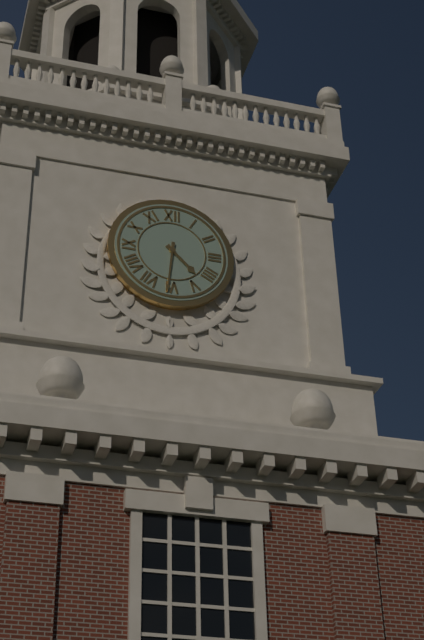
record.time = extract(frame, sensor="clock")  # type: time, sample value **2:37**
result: **4:31**
